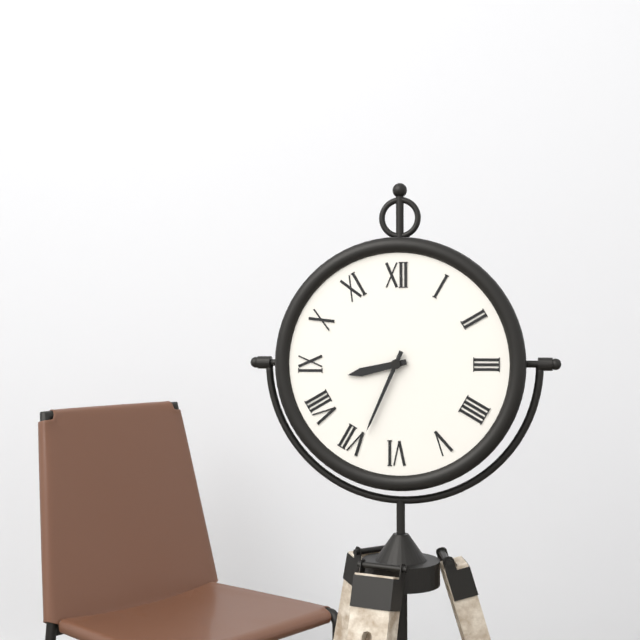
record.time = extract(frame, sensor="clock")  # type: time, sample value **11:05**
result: **8:34**
